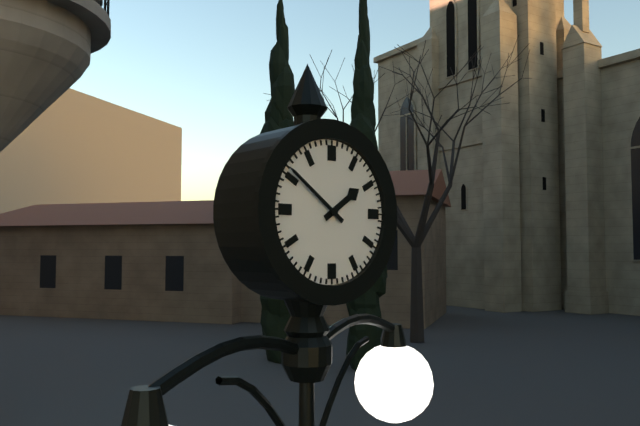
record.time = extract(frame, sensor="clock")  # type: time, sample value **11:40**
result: **1:51**
